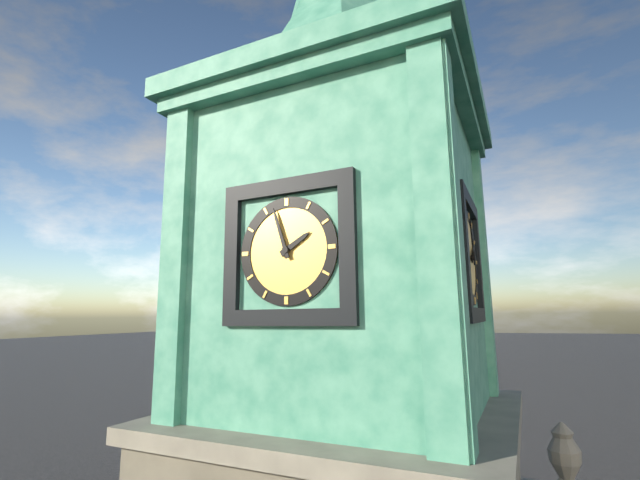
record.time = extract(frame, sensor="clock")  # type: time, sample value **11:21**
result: **1:57**
